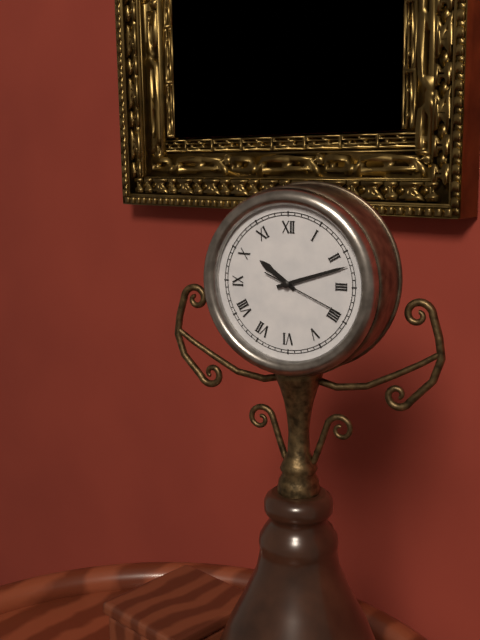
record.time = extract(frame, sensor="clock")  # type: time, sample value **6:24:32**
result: **10:12:19**
